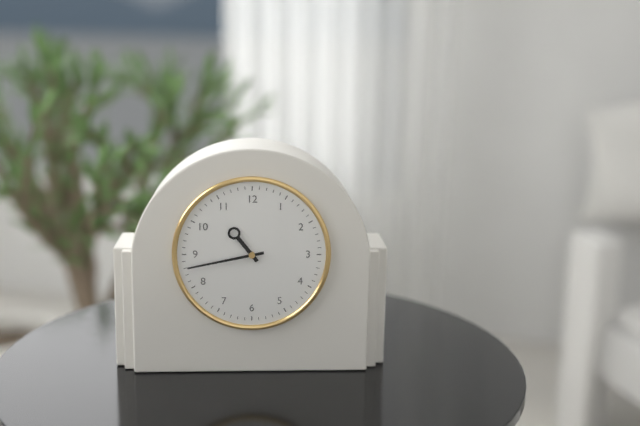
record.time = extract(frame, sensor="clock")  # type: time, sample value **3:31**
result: **10:43**
